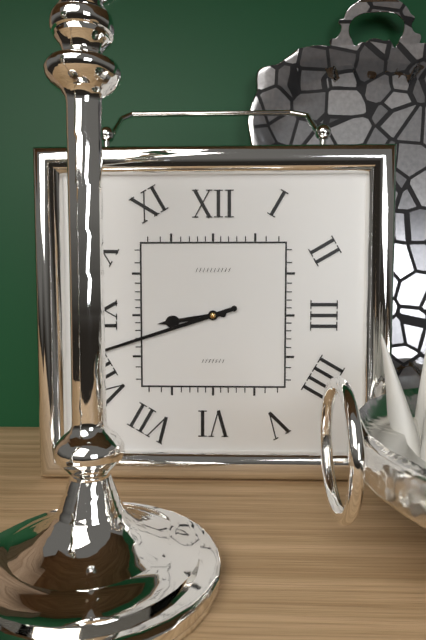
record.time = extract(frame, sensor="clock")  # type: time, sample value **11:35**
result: **8:42**
